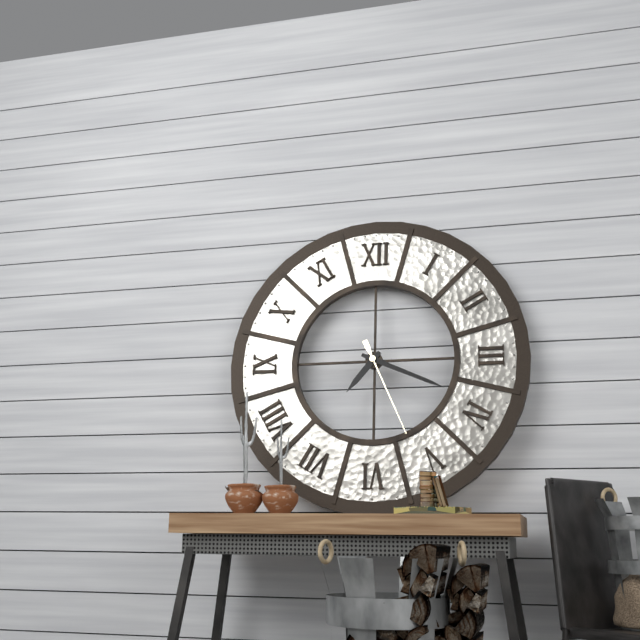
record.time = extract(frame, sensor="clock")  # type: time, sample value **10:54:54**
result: **7:19:26**
